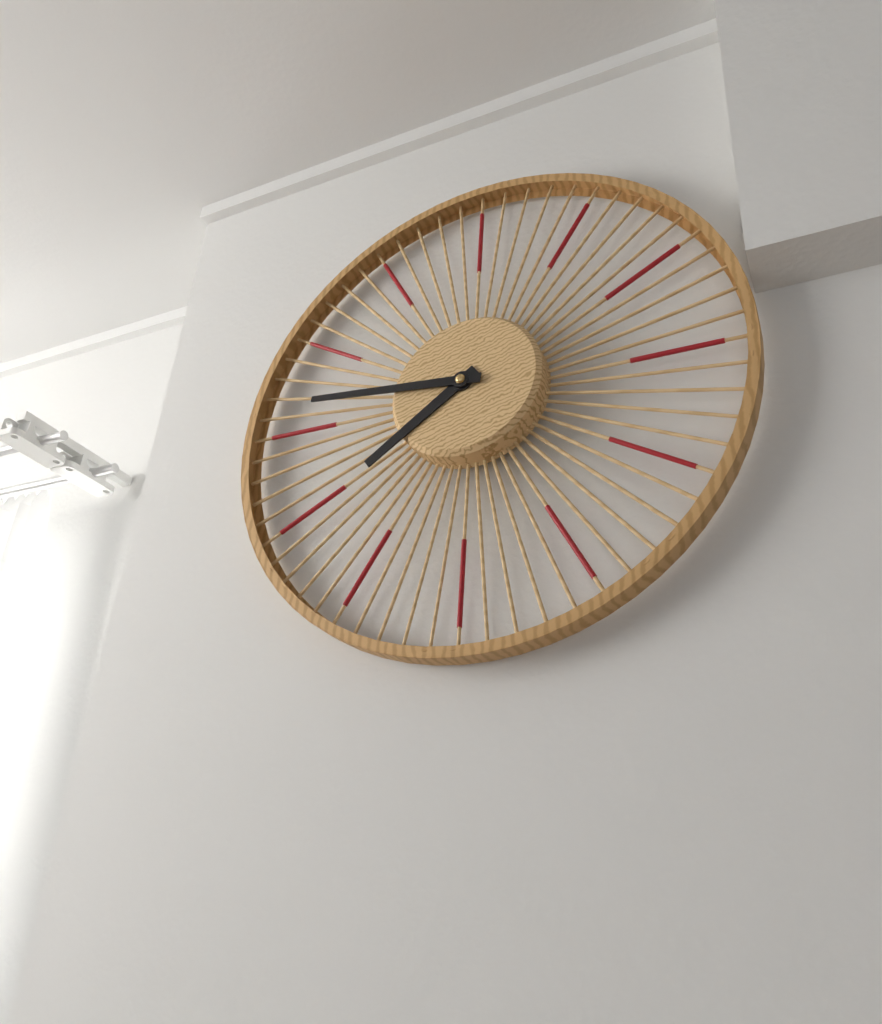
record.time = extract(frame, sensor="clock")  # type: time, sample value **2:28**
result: **7:46**
